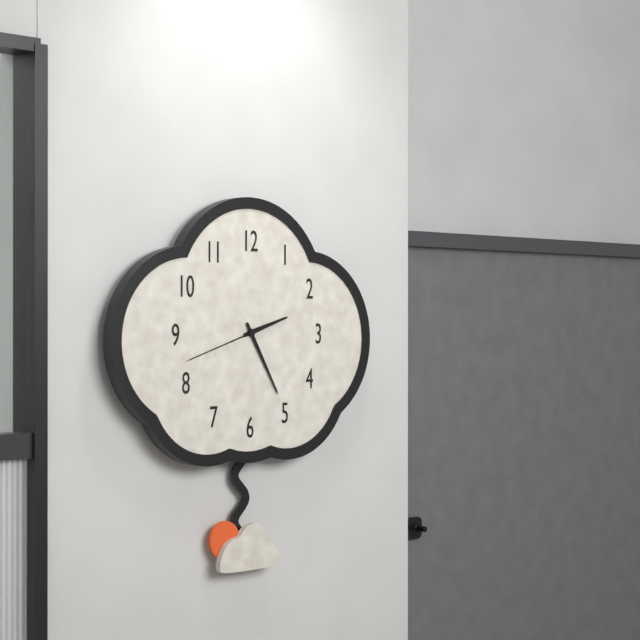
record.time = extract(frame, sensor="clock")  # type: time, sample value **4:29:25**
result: **2:25:42**
